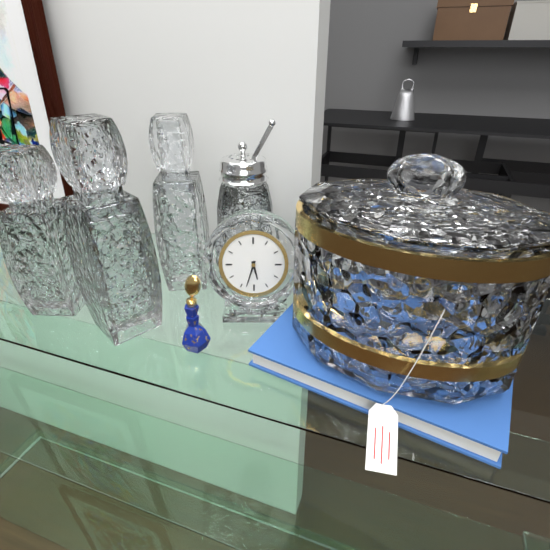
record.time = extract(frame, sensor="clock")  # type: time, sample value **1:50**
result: **5:33**
